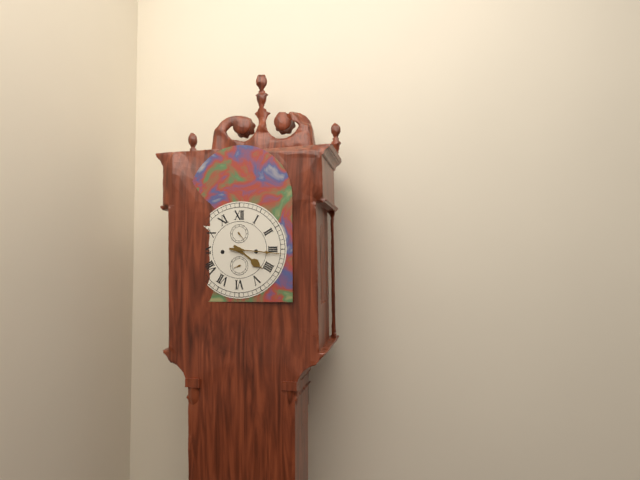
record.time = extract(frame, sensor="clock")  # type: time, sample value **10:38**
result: **4:16**
